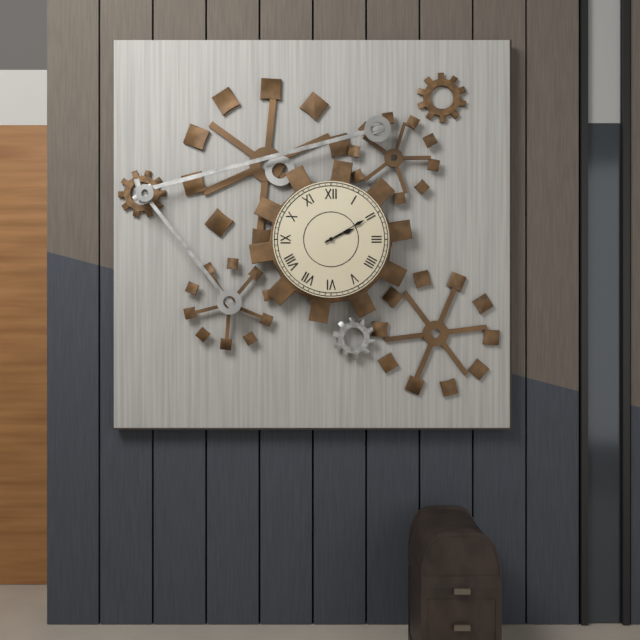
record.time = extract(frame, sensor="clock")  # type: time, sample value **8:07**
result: **2:10**
